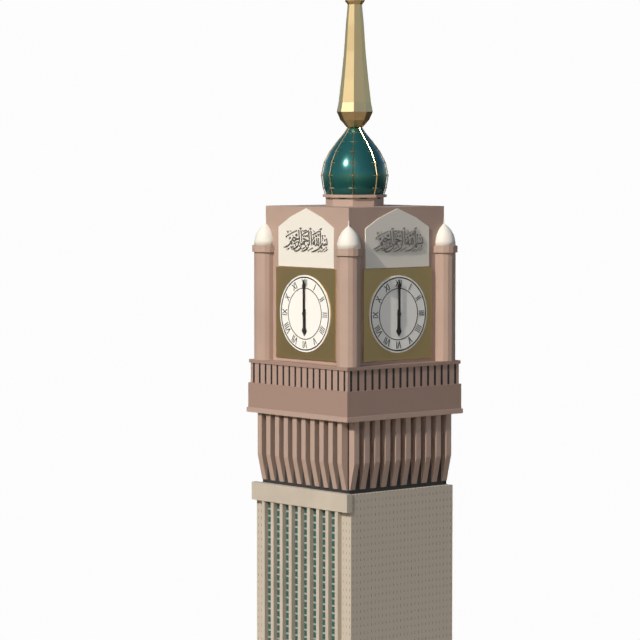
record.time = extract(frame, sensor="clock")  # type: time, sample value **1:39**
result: **6:00**
